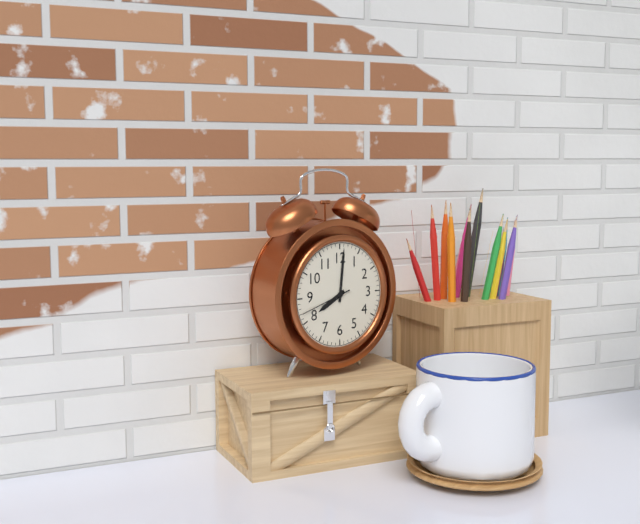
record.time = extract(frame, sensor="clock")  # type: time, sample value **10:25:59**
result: **8:01:42**
